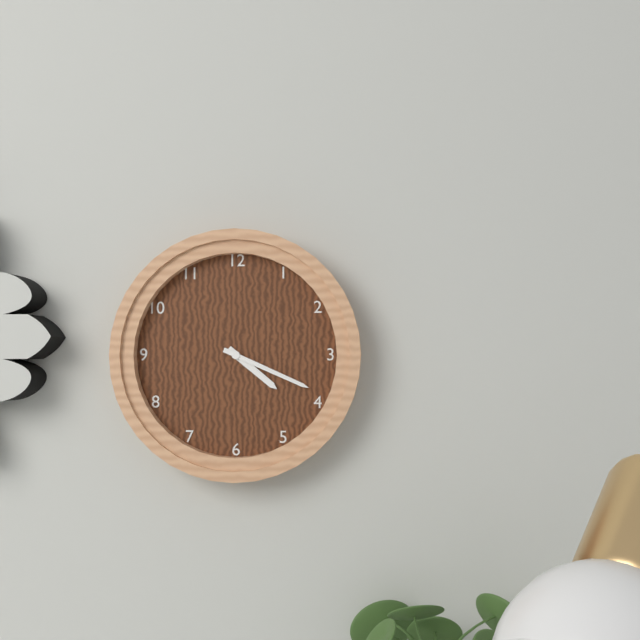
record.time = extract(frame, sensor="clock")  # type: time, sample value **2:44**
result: **4:19**
